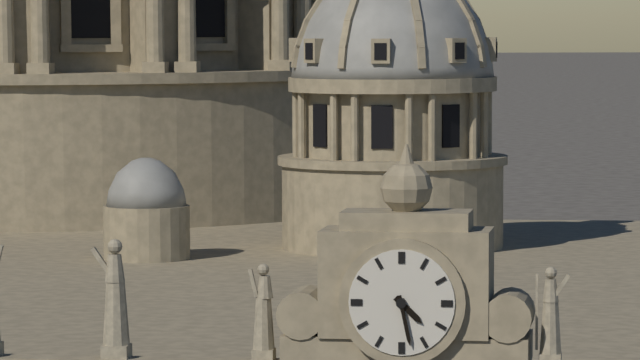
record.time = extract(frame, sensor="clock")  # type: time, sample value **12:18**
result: **4:28**
